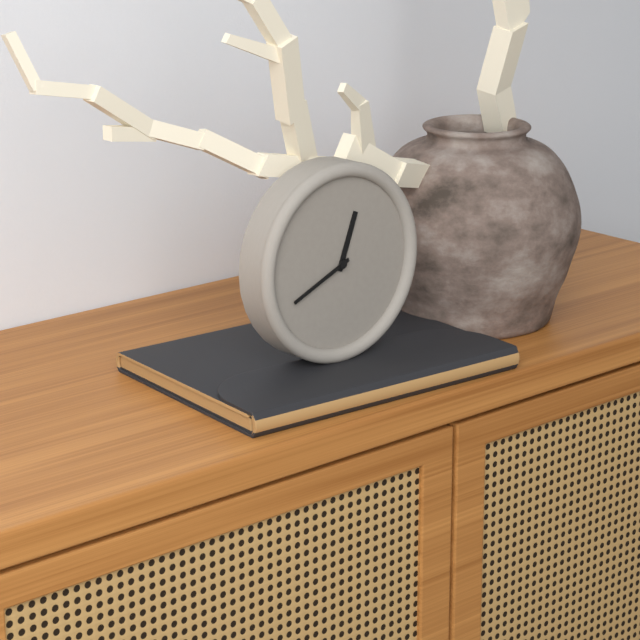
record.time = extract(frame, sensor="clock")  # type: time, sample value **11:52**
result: **12:41**
